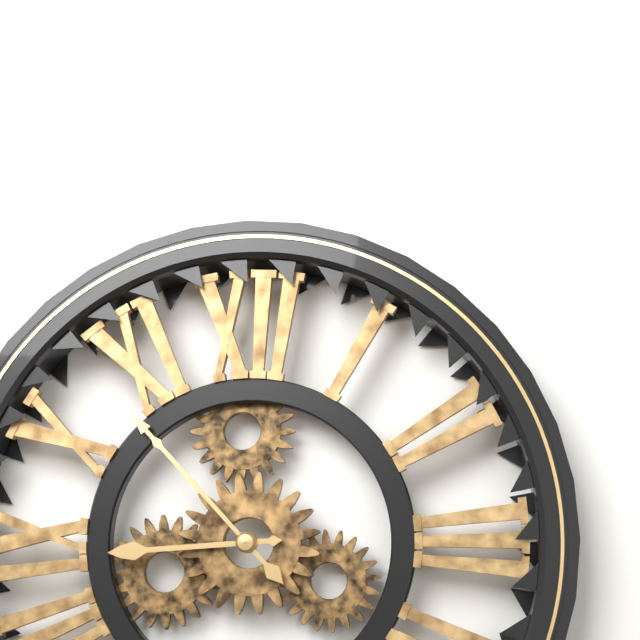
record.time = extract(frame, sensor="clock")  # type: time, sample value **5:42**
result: **8:53**
